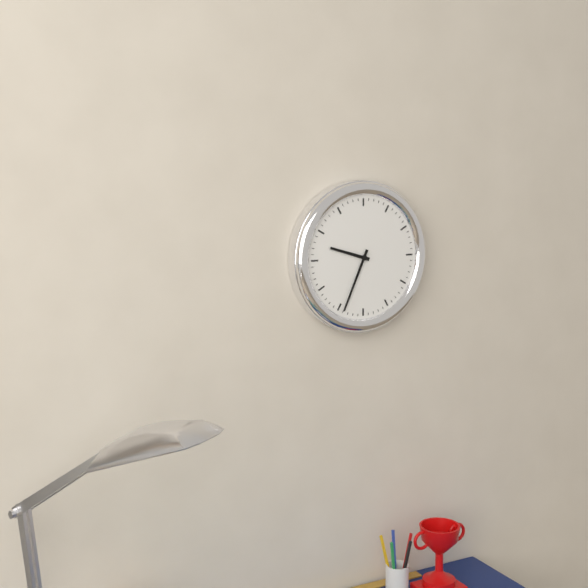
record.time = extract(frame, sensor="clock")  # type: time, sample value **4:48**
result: **9:34**
